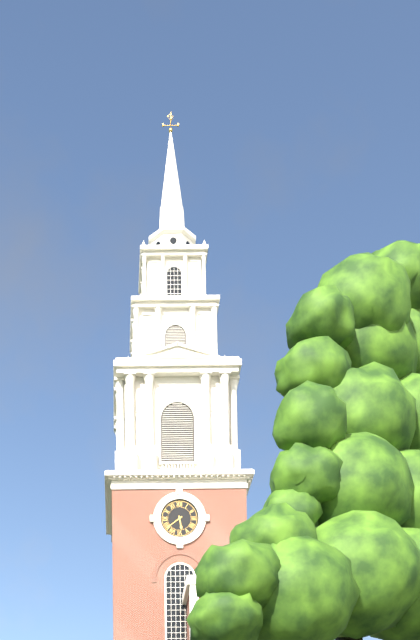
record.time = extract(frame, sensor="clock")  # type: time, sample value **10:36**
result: **5:39**
